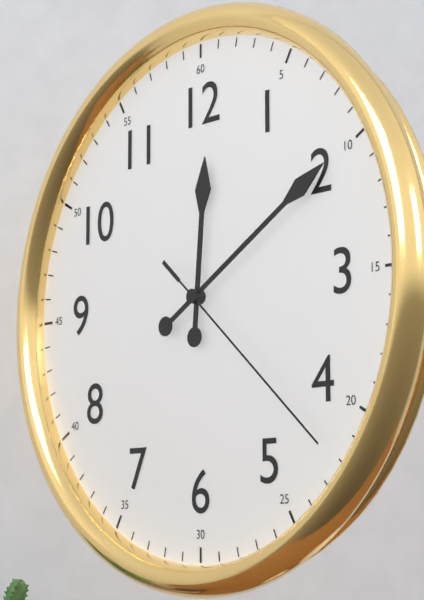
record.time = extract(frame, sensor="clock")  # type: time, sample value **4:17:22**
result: **12:10:22**
